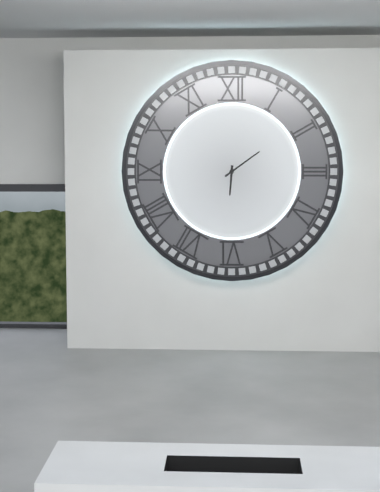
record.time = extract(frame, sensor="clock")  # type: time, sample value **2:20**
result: **6:09**
